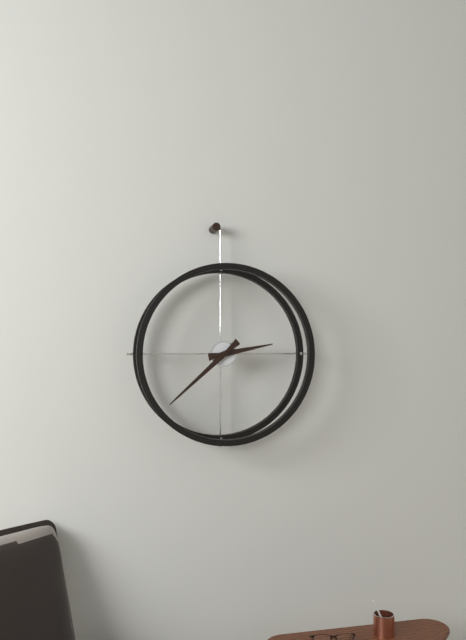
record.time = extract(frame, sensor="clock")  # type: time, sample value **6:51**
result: **2:38**
